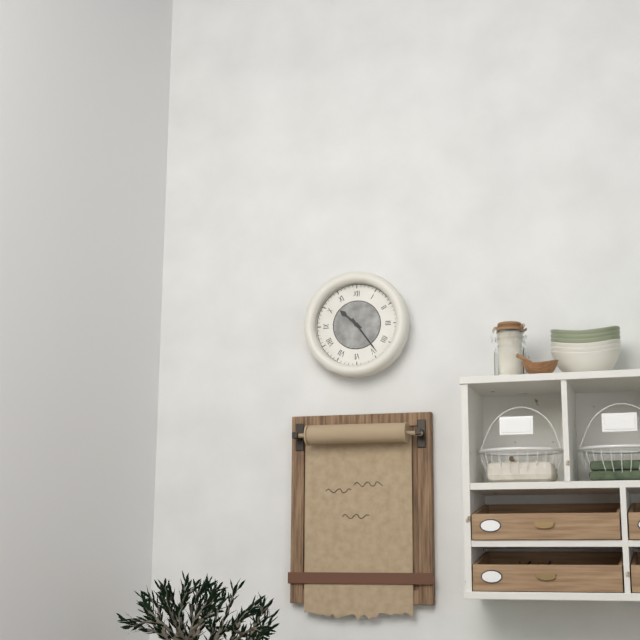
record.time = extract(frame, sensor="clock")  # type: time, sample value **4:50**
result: **10:24**
